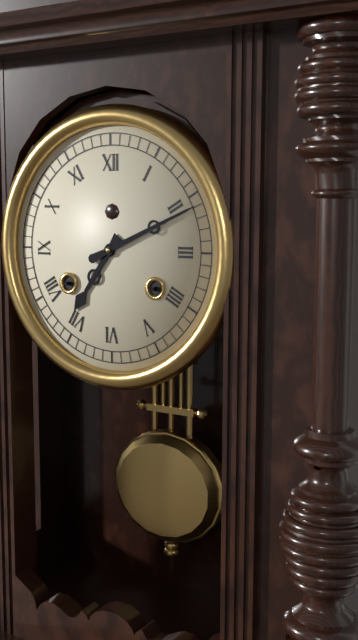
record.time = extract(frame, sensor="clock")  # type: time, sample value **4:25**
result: **7:11**
